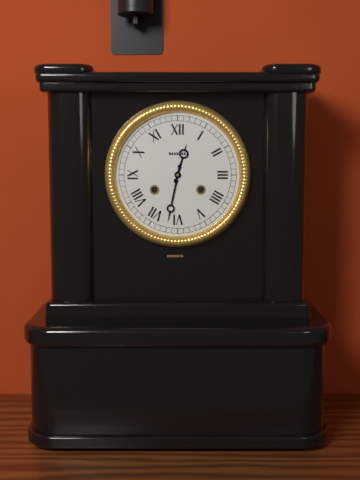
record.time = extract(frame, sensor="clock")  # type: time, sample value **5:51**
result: **12:32**
